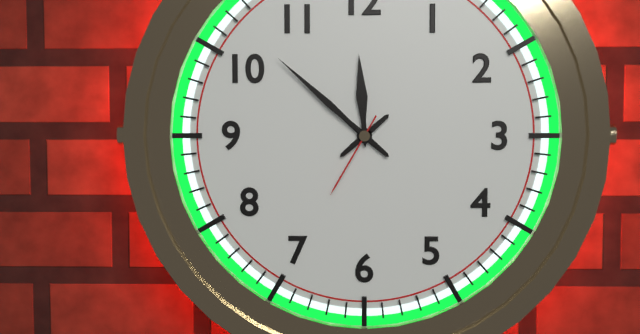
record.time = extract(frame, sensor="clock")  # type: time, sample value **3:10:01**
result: **11:52:35**
